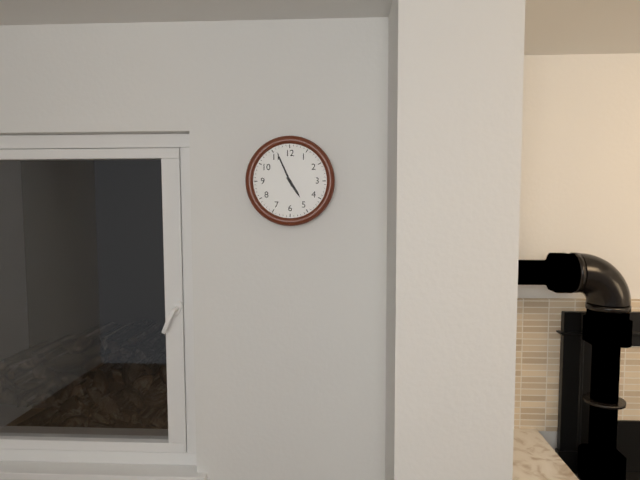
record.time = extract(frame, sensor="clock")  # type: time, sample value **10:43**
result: **4:56**
